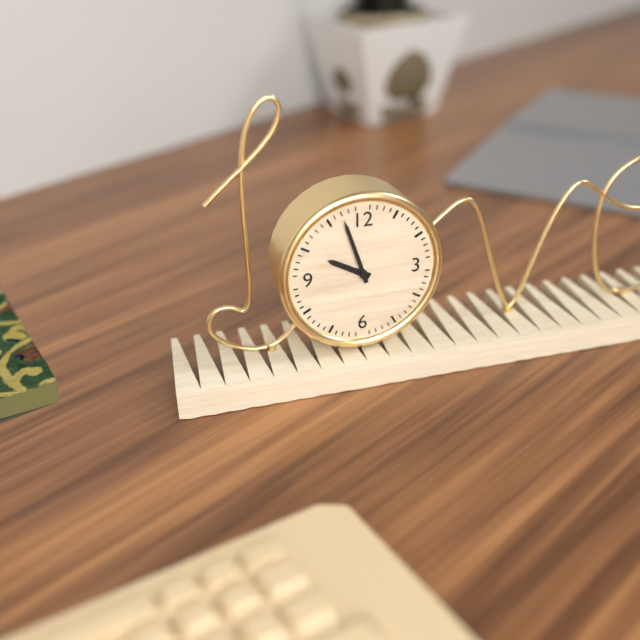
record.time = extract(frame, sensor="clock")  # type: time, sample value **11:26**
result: **9:57**
